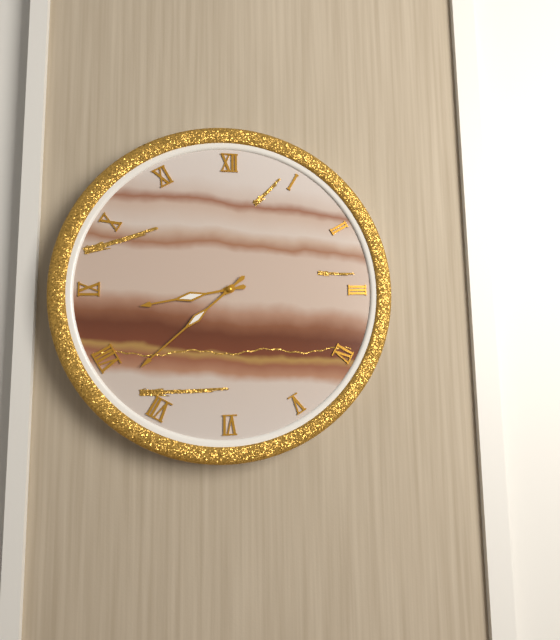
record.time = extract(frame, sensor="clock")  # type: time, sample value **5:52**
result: **8:38**
